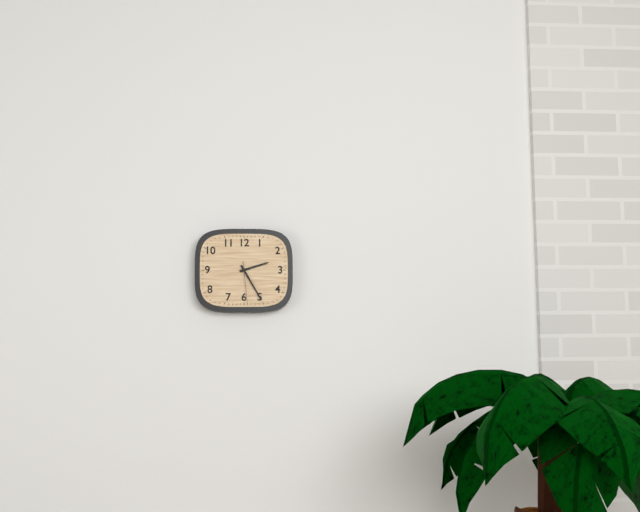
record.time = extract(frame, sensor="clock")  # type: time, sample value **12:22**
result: **2:25**
